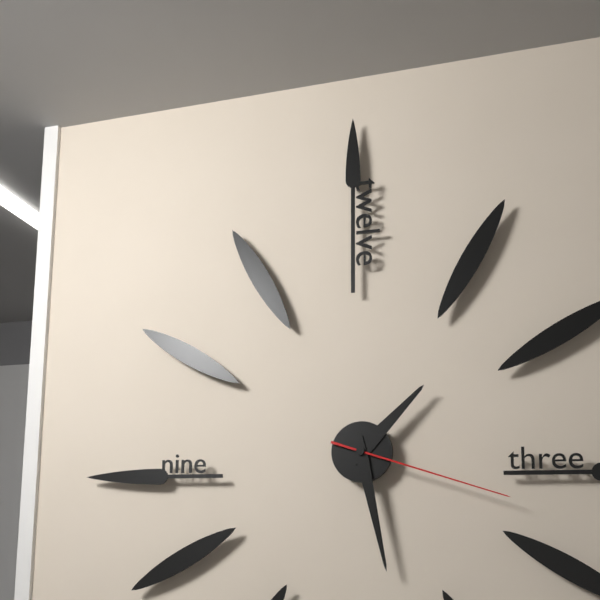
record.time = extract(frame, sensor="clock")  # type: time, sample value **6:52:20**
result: **1:28:18**
